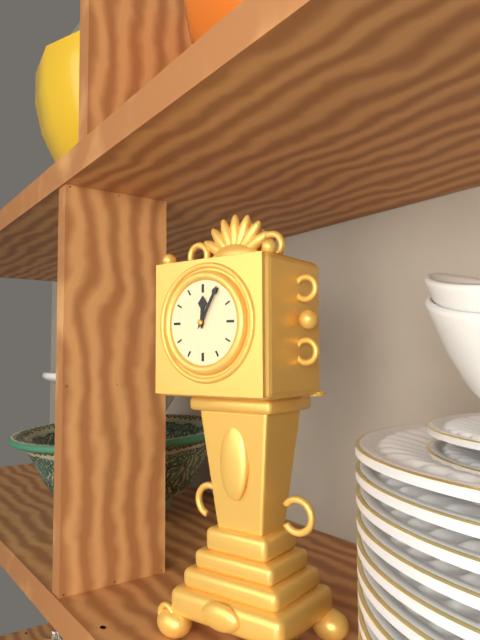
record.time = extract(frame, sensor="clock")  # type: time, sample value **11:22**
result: **12:05**
